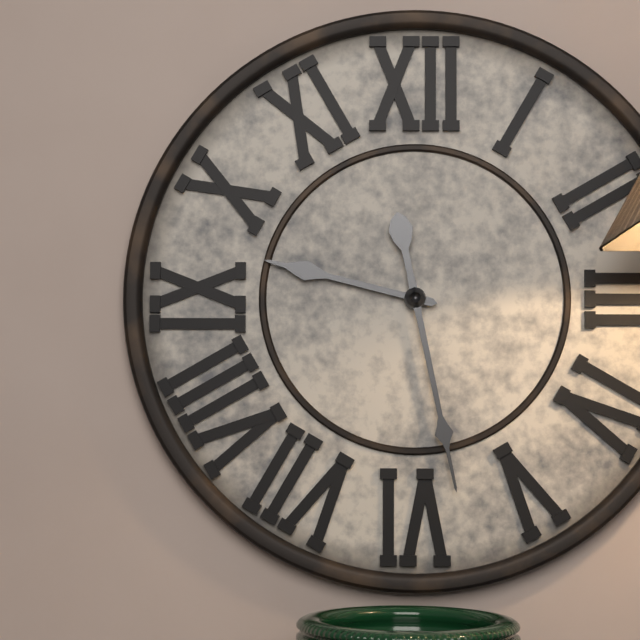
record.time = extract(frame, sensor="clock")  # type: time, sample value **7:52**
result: **9:28**
